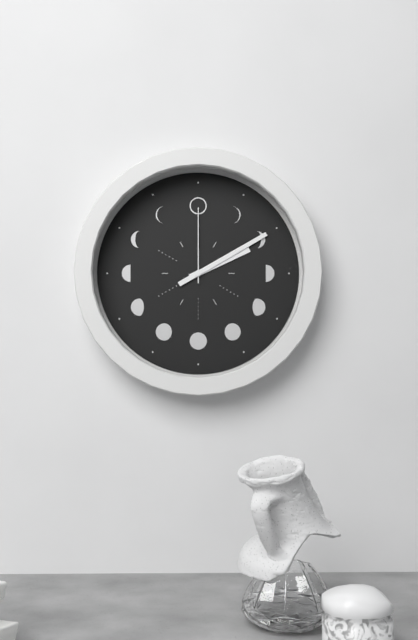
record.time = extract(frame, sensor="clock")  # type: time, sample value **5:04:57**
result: **2:10:00**
